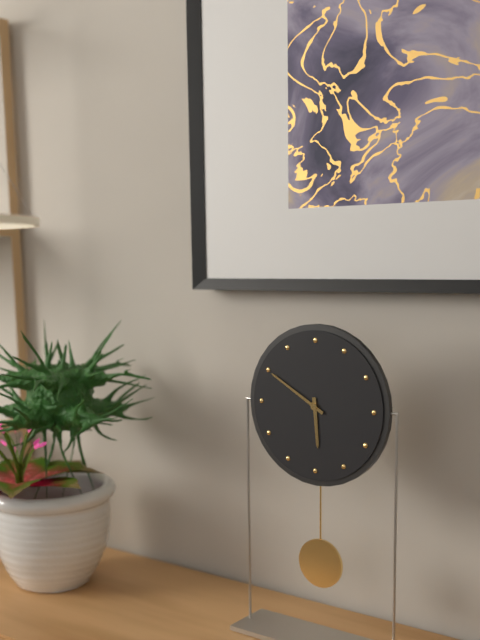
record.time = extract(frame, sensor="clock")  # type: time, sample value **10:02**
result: **5:50**
